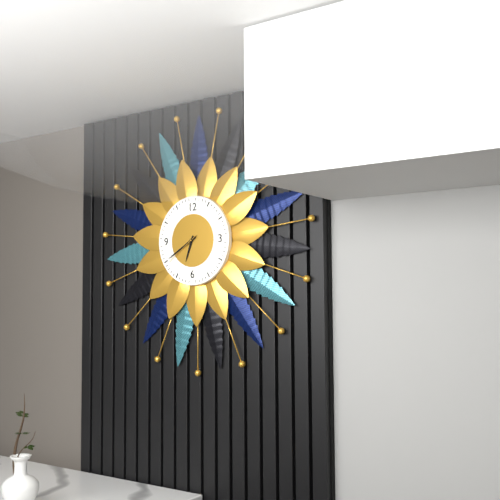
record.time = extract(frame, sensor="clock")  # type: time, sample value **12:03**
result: **6:40**
